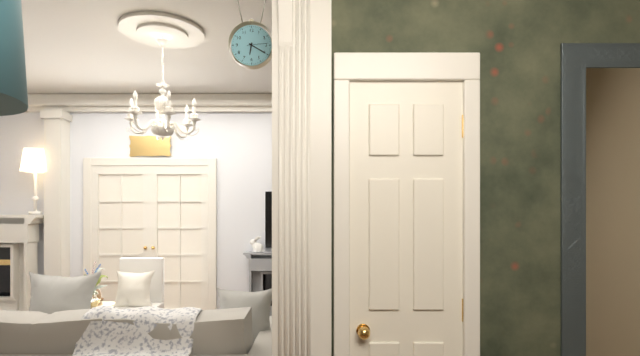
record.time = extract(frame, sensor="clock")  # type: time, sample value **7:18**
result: **6:20**
